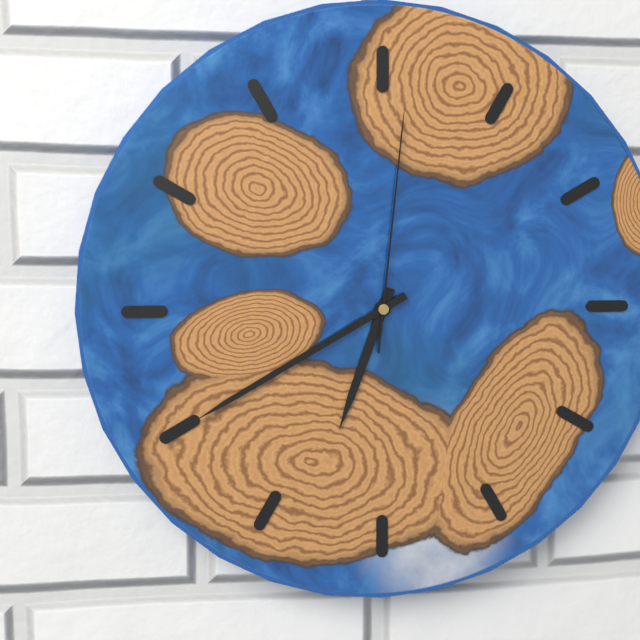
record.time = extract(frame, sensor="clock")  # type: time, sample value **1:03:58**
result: **6:40:01**
